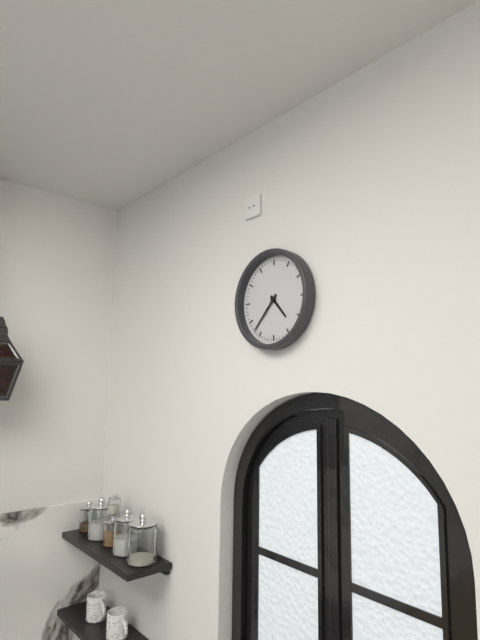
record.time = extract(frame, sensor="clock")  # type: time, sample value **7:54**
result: **4:37**
